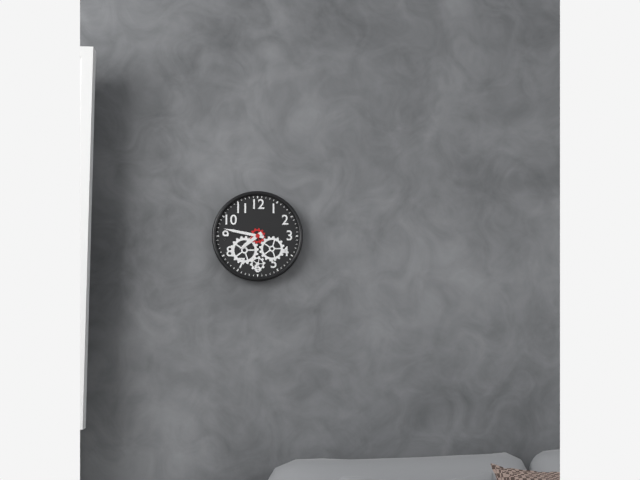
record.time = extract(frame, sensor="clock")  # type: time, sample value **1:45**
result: **7:47**
